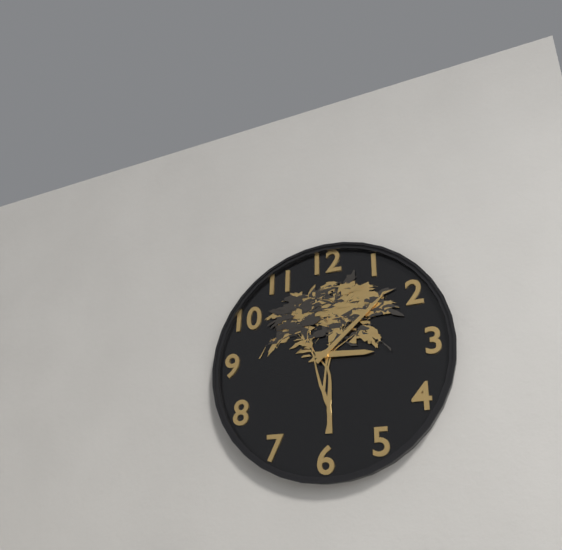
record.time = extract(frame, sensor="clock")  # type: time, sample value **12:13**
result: **3:08**
